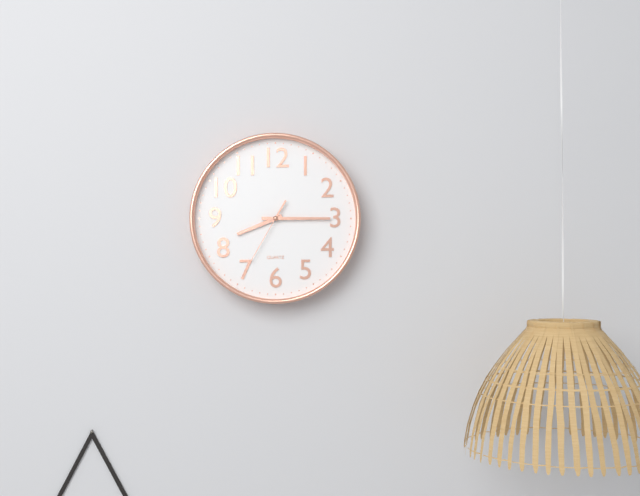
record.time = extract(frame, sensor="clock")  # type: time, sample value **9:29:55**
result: **8:15:35**
